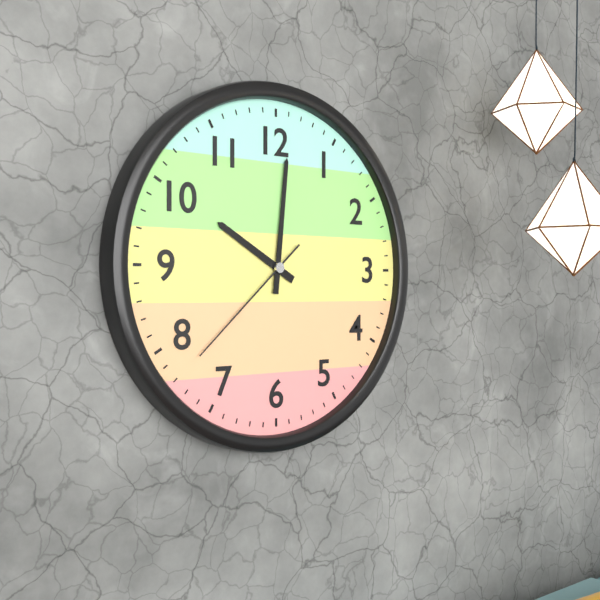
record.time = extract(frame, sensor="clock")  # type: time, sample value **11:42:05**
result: **10:01:38**
